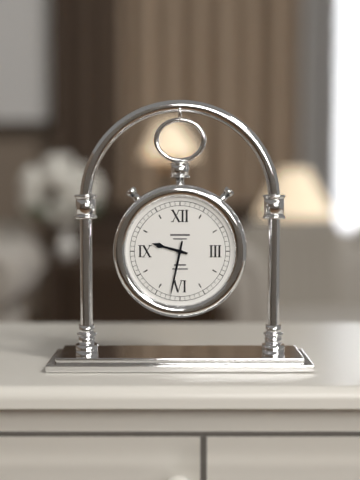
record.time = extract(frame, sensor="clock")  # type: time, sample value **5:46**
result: **9:32**
